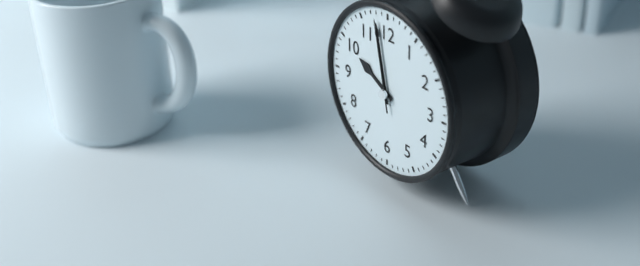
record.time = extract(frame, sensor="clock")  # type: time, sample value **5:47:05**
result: **9:58:58**
